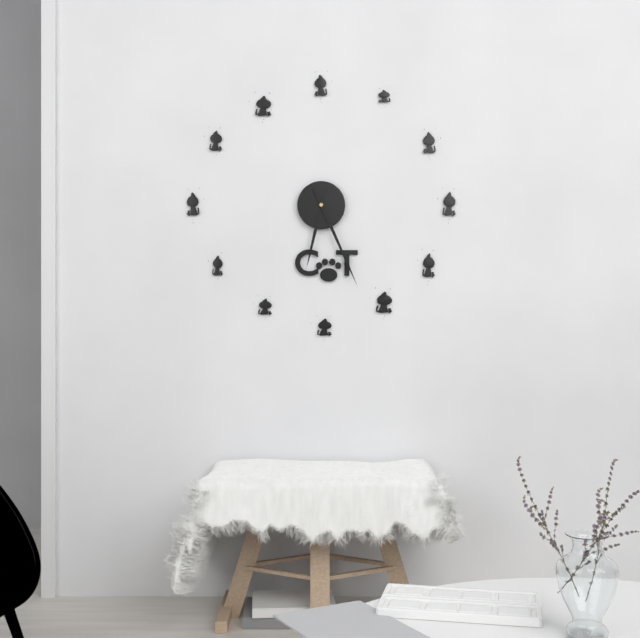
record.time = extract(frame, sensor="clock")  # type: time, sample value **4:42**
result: **6:26**
